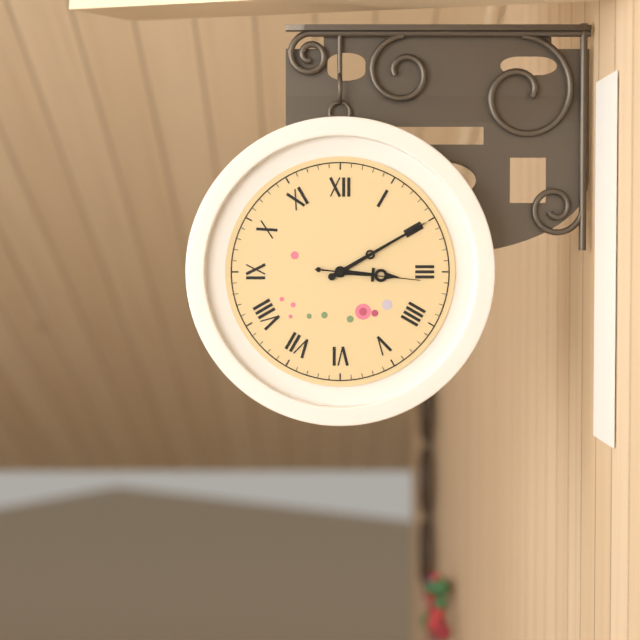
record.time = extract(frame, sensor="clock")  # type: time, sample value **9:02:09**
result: **3:10:16**
